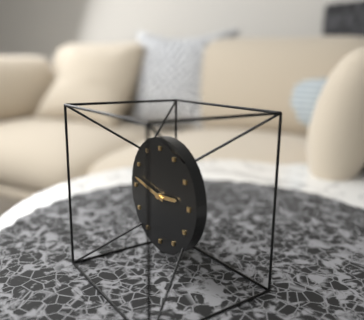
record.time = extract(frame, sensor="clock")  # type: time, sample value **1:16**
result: **2:47**
